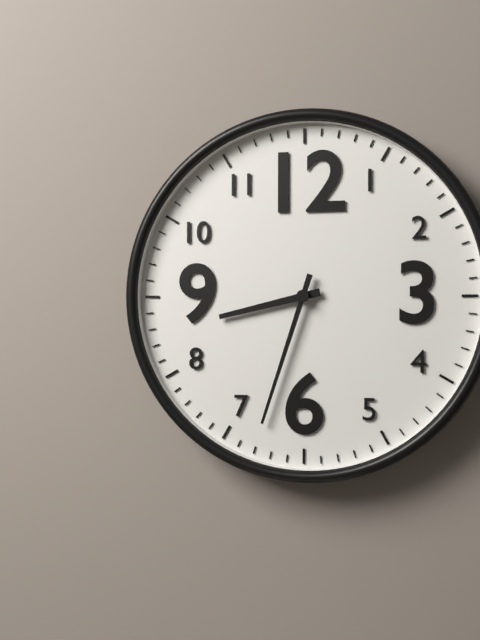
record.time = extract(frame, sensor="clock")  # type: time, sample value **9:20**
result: **8:33**
